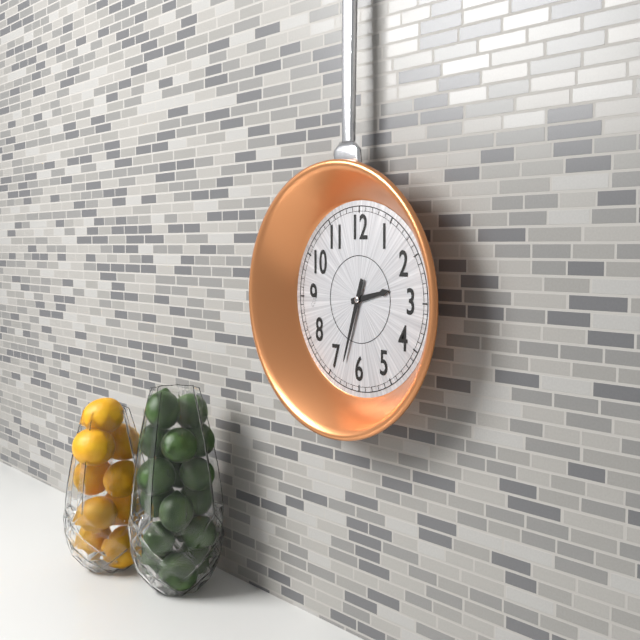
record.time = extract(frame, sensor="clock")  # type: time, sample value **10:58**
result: **2:33**
